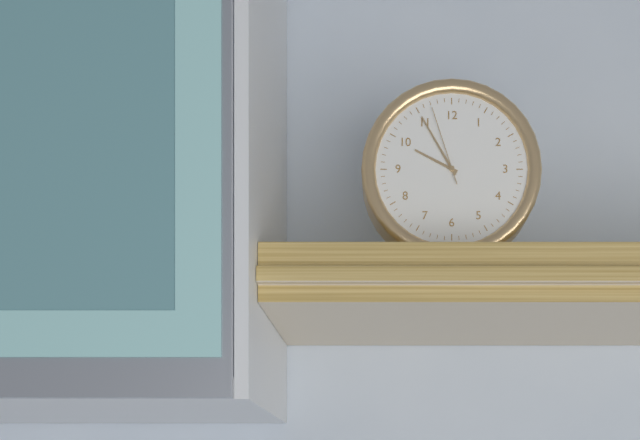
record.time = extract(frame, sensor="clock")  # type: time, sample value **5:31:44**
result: **9:55:57**
